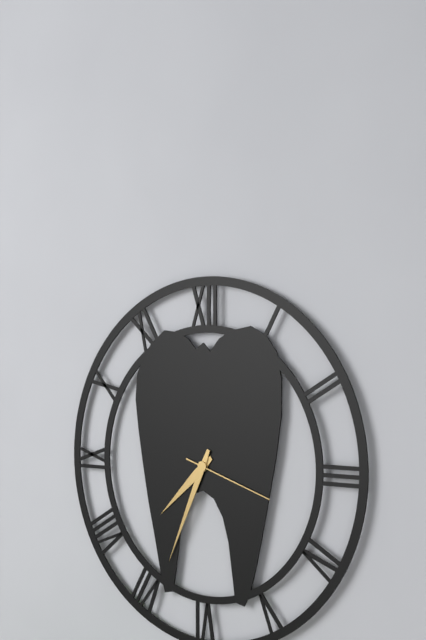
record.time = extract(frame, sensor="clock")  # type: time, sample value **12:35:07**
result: **7:34:18**
